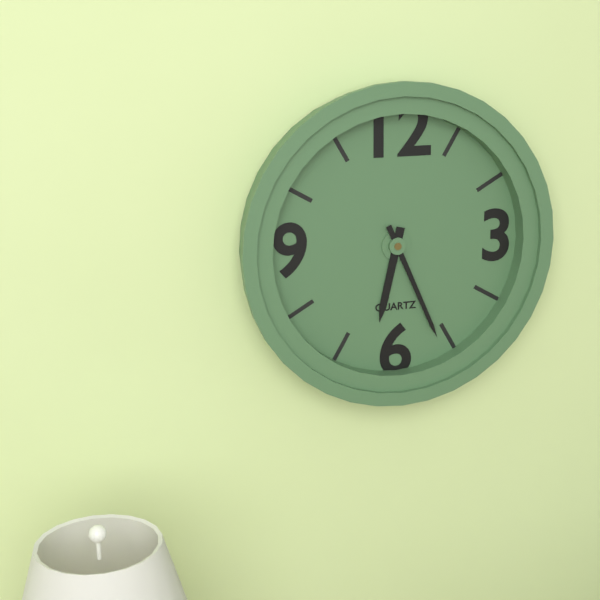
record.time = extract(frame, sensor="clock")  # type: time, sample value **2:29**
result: **6:26**
